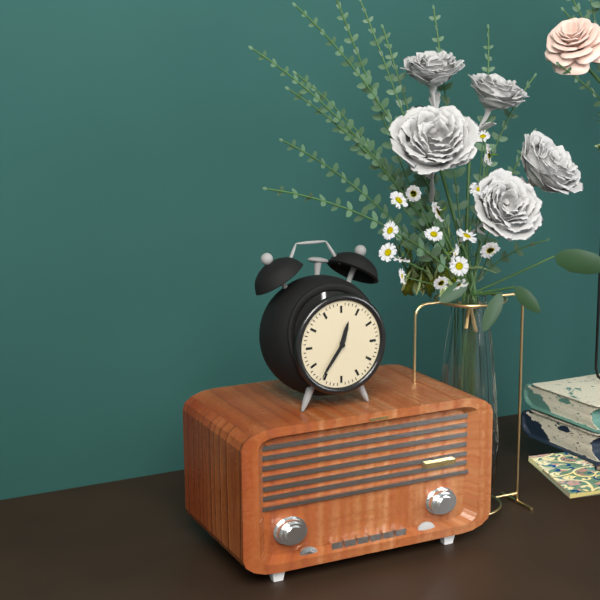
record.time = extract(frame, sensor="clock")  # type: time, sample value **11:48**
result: **12:36**
